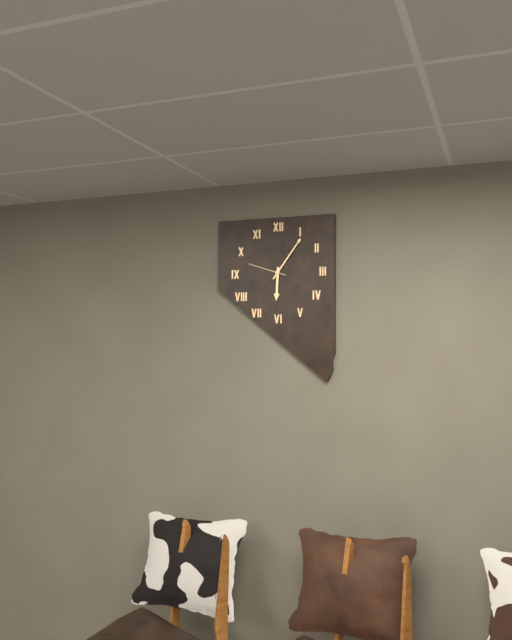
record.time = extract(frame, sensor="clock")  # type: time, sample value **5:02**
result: **6:06**
